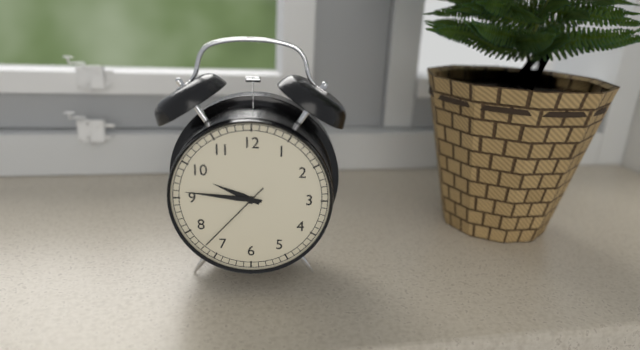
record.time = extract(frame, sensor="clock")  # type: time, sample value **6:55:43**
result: **9:46:37**
